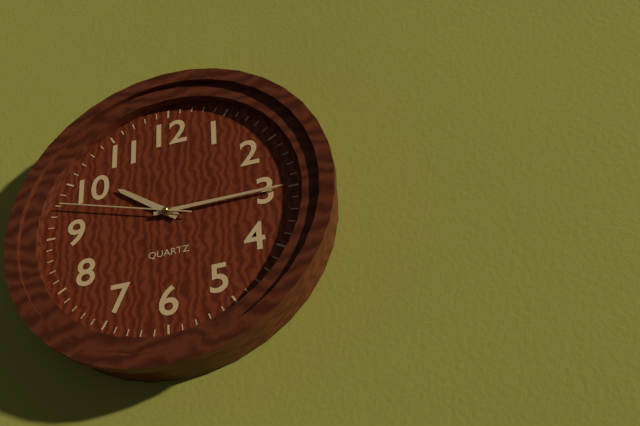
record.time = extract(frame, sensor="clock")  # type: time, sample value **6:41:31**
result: **10:15:48**
